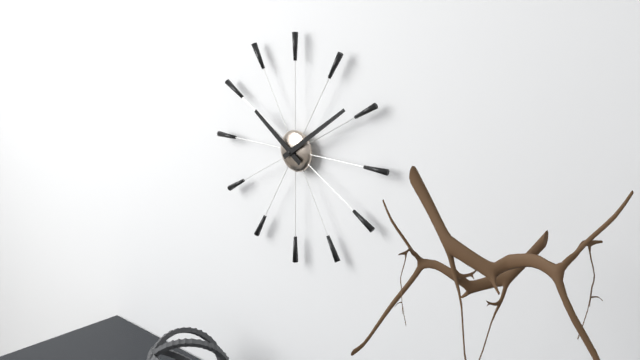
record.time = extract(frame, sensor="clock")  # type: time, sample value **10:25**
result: **10:09**
